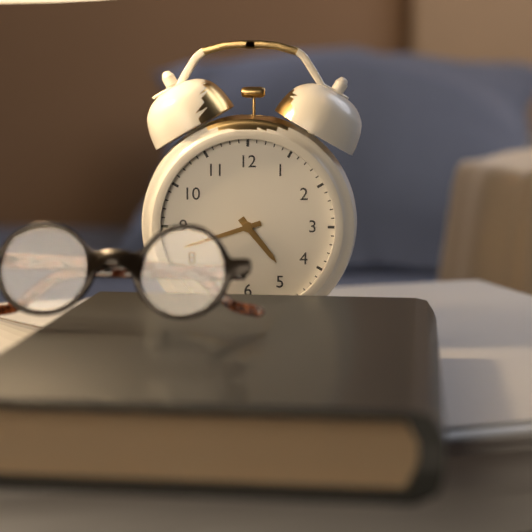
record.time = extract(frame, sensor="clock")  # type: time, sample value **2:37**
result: **4:42**
